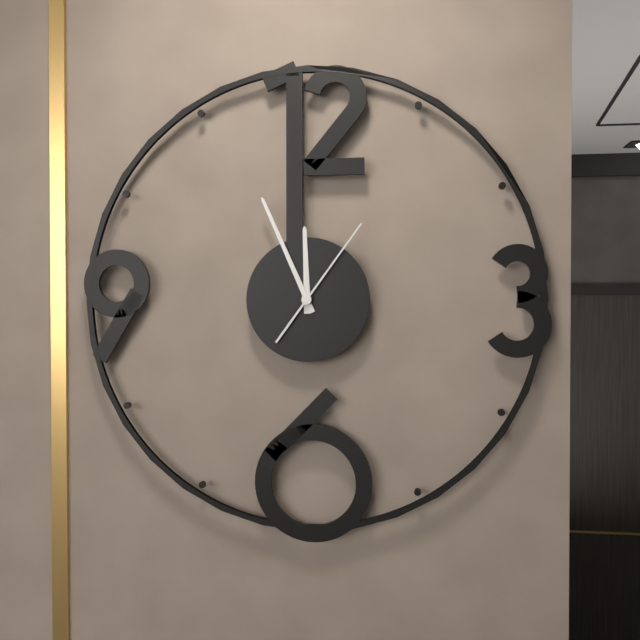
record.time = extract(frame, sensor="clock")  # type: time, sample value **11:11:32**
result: **11:56:06**
